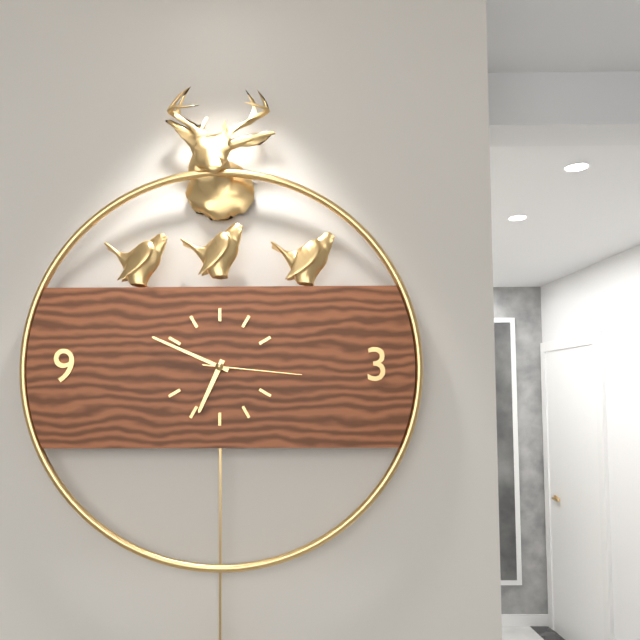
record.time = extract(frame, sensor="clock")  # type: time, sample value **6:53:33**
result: **6:49:16**
